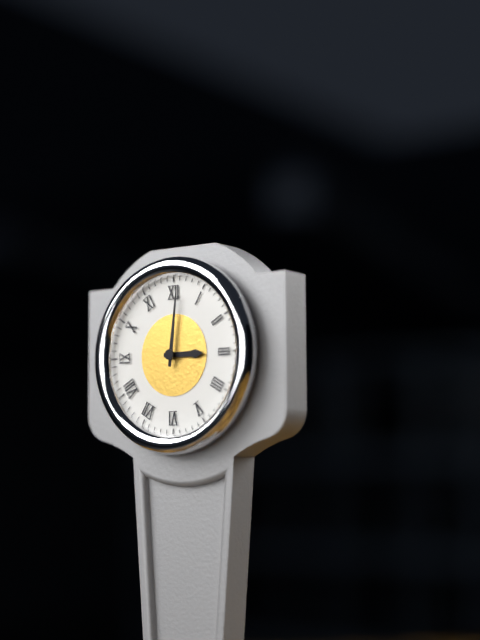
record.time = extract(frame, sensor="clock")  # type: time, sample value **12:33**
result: **3:01**
